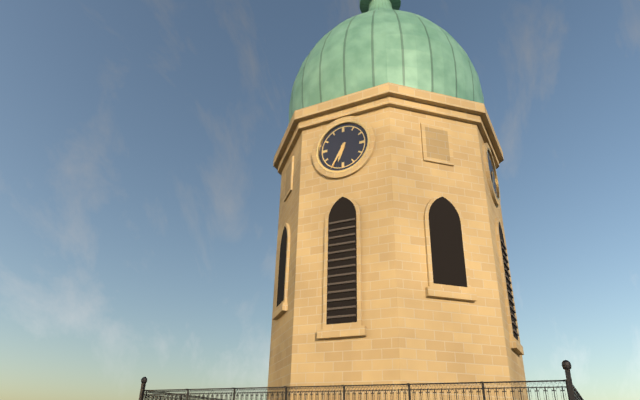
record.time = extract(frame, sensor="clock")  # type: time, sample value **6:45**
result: **6:35**
